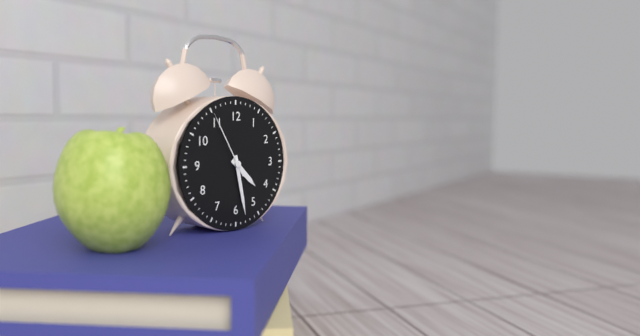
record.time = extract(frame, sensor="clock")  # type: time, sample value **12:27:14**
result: **4:28:55**
